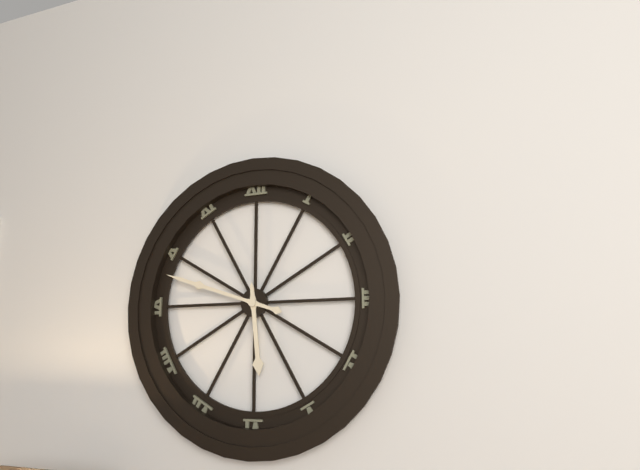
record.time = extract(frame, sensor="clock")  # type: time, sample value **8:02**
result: **5:48**
